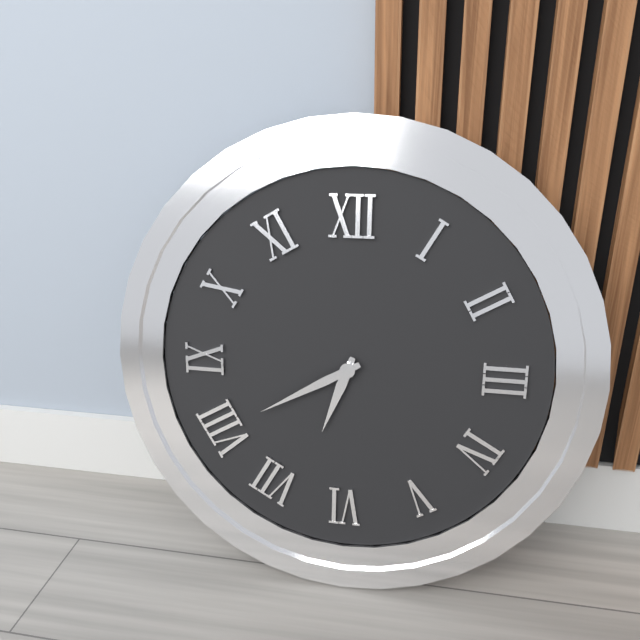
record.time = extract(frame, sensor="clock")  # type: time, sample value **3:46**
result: **6:40**
